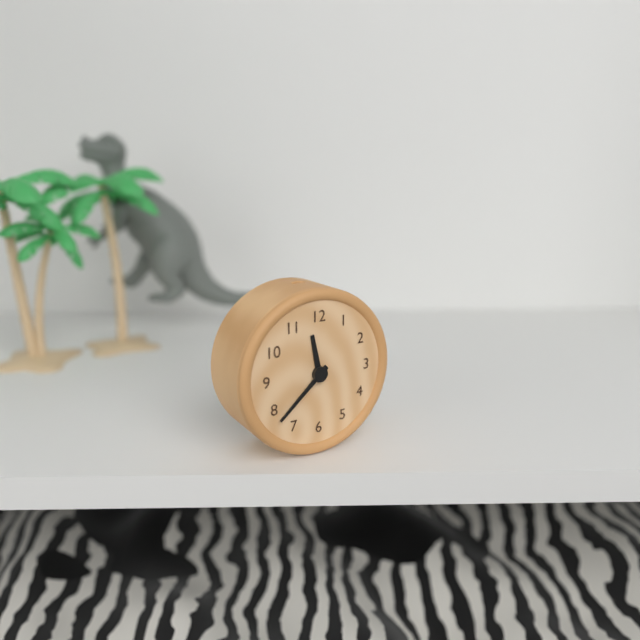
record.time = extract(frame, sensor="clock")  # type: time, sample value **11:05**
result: **11:38**
